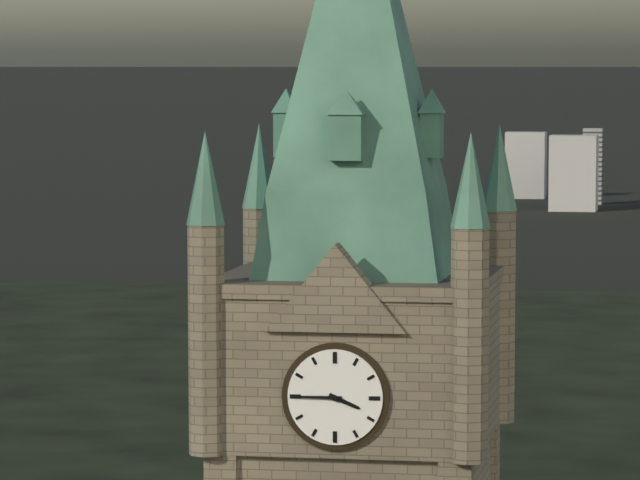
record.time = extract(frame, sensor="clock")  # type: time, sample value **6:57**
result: **3:45**
